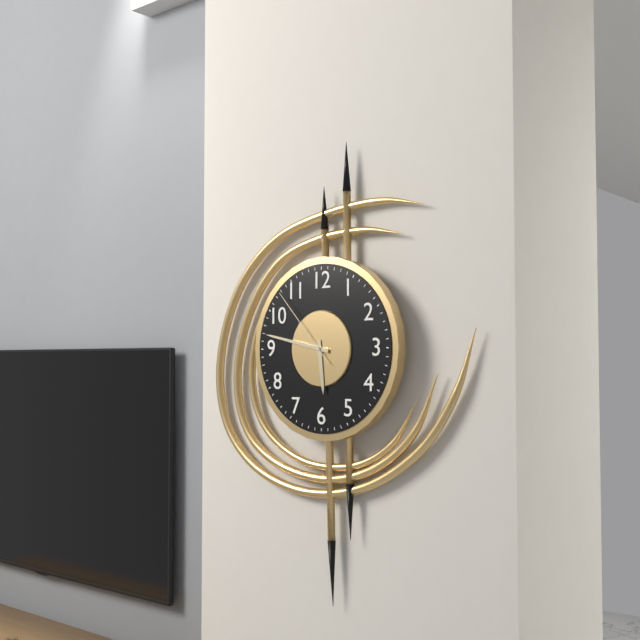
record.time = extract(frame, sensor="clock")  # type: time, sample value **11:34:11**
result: **5:47:53**
